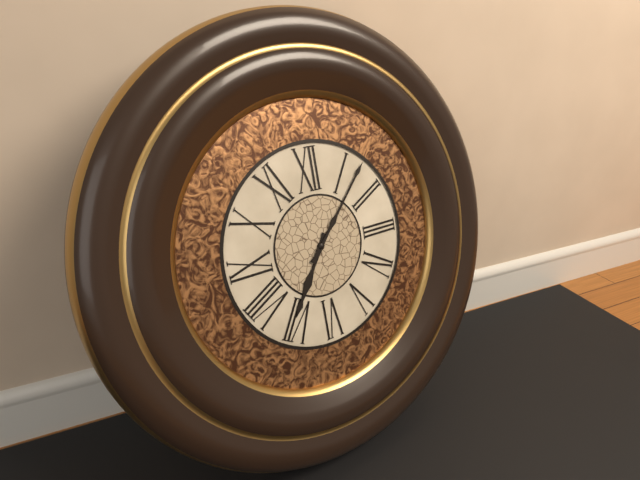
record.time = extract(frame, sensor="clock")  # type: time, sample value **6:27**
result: **7:07**
